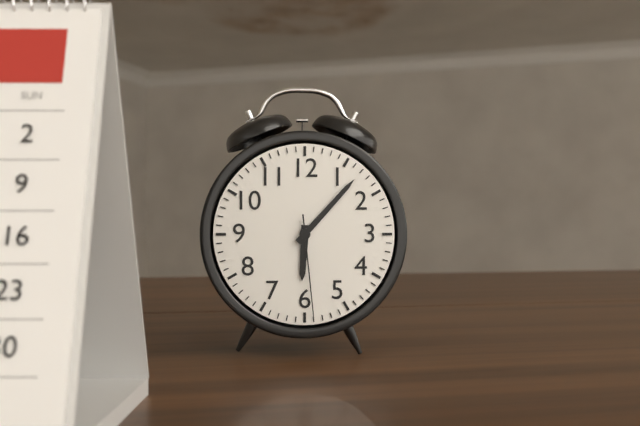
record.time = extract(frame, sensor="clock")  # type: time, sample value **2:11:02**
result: **6:07:29**
